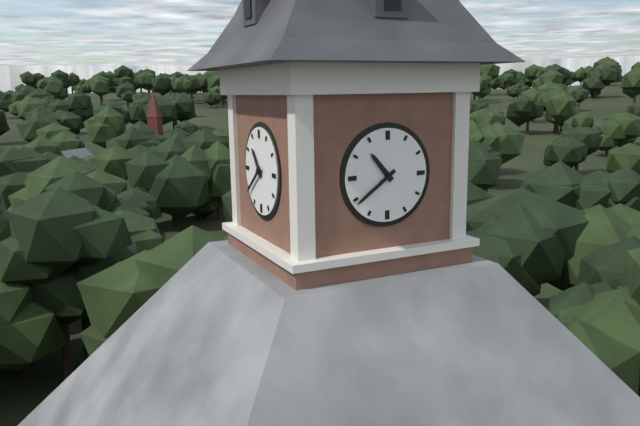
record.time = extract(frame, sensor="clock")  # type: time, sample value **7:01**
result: **10:39**
